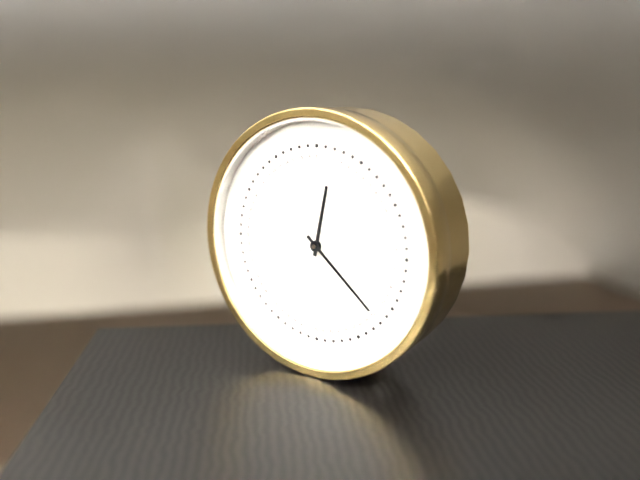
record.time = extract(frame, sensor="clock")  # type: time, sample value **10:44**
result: **12:22**
